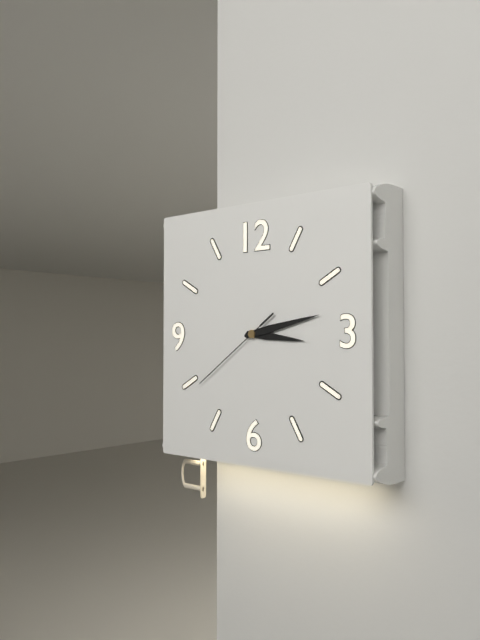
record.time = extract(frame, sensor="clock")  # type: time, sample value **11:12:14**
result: **3:13:39**
